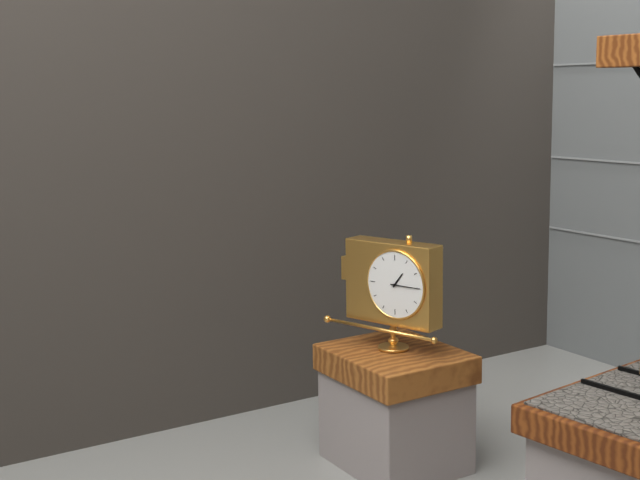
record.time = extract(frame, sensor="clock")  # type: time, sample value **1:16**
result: **1:15**
